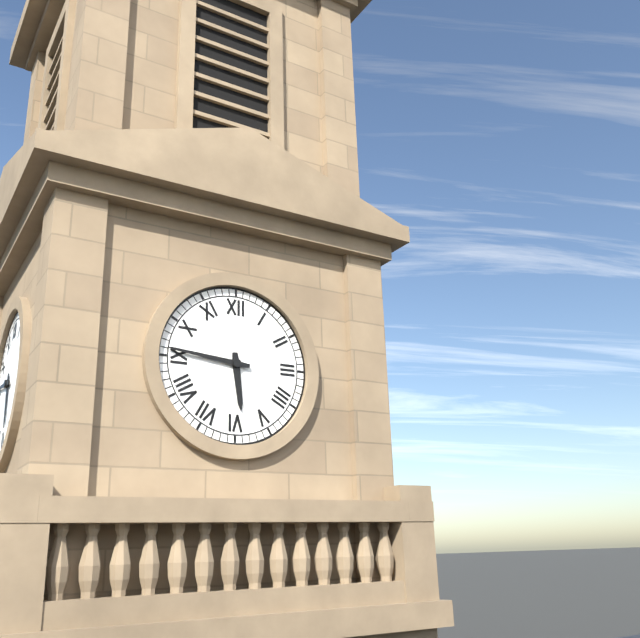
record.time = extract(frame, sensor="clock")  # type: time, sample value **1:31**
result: **5:46**
